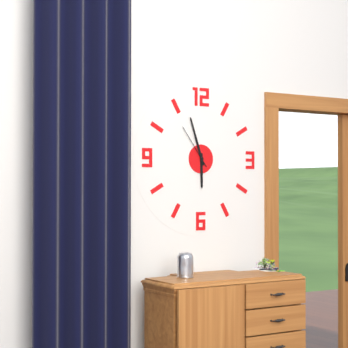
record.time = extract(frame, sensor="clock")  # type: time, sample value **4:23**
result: **5:57**
